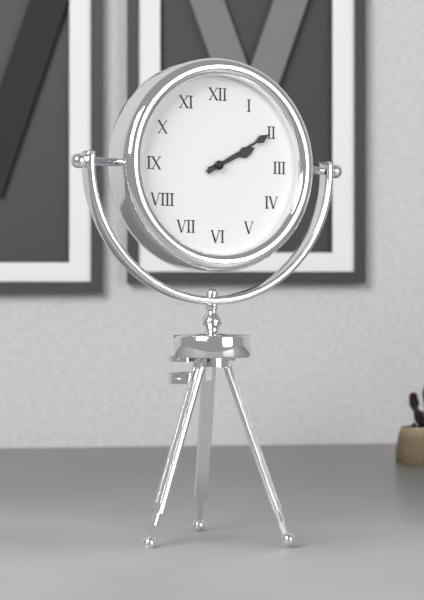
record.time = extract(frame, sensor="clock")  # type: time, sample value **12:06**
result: **2:10**
